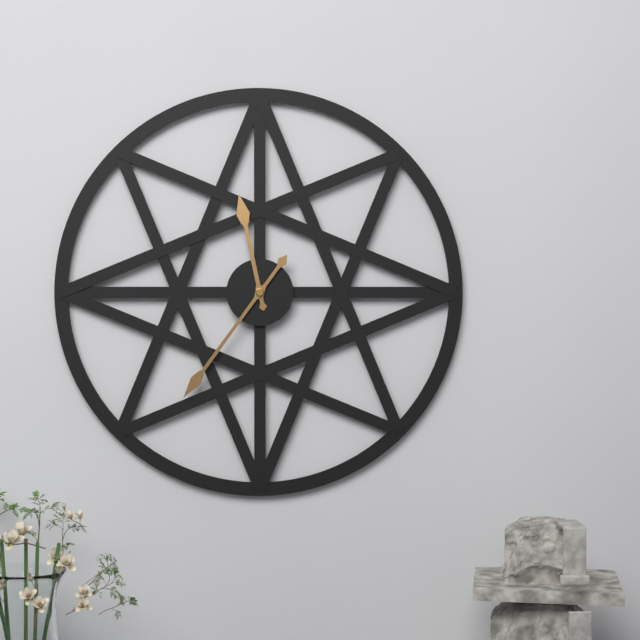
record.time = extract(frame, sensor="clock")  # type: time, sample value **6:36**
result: **11:36**
